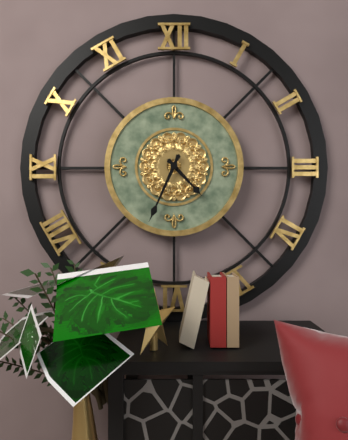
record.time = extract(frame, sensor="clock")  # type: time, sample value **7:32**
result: **4:34**
